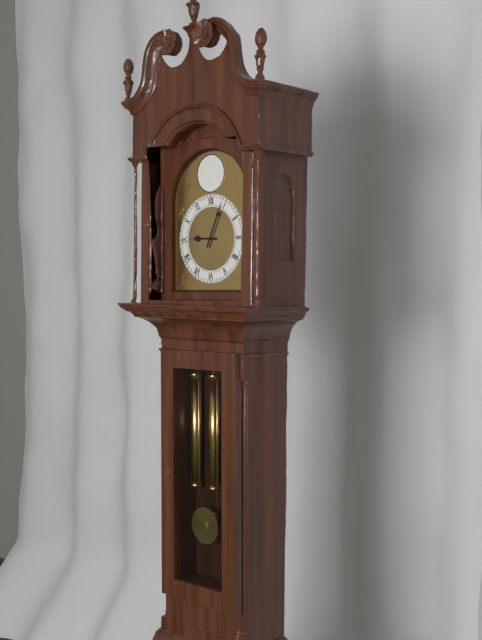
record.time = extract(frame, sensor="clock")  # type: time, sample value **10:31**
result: **9:04**
